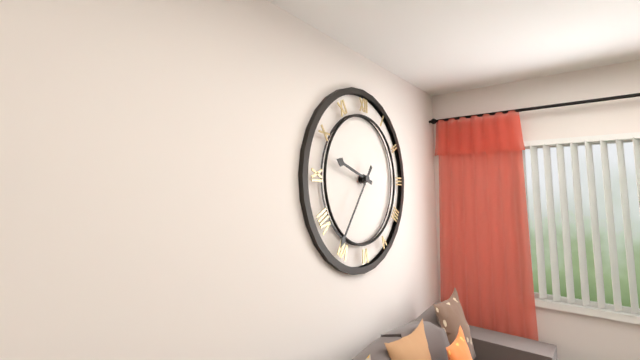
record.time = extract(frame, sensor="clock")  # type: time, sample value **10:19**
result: **9:36**
